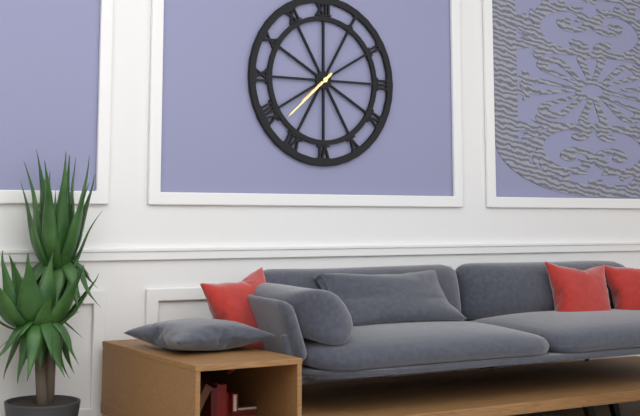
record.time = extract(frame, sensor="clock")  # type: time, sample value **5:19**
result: **7:38**
